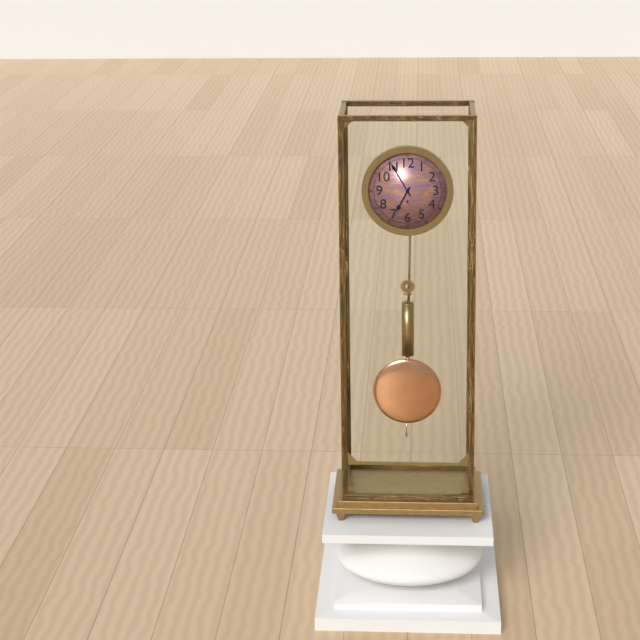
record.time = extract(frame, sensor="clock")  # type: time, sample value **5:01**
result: **6:55**
